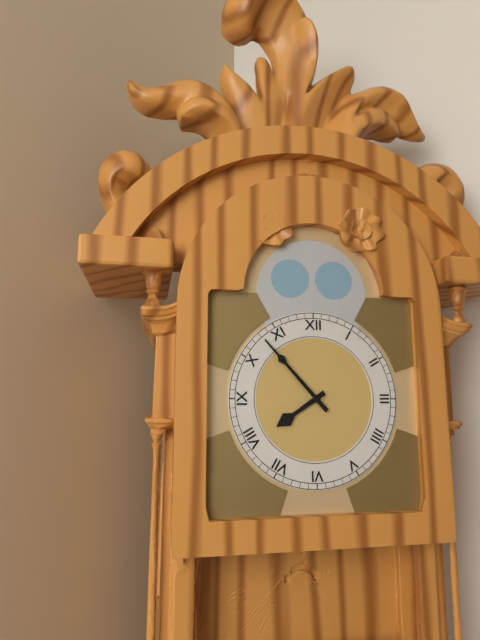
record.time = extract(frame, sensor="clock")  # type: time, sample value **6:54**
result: **7:53**
